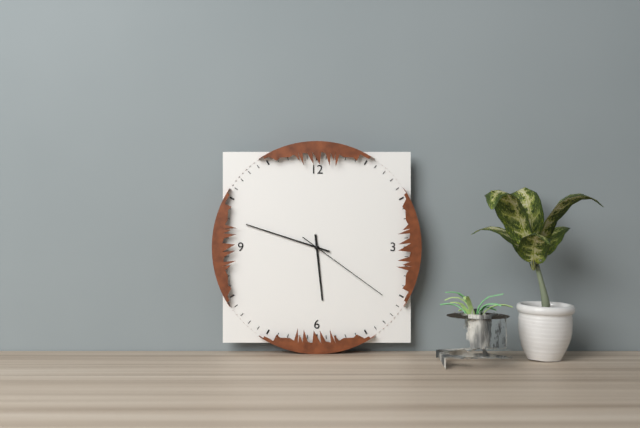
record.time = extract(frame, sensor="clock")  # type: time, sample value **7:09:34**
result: **5:48:21**
